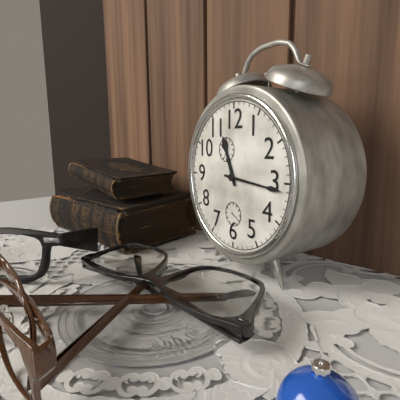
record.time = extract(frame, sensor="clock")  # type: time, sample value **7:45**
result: **11:16**
